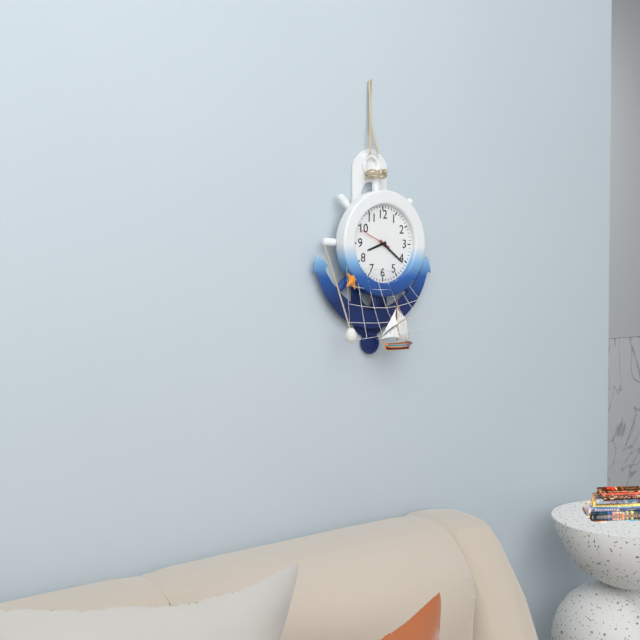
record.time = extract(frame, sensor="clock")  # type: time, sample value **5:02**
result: **8:21**
